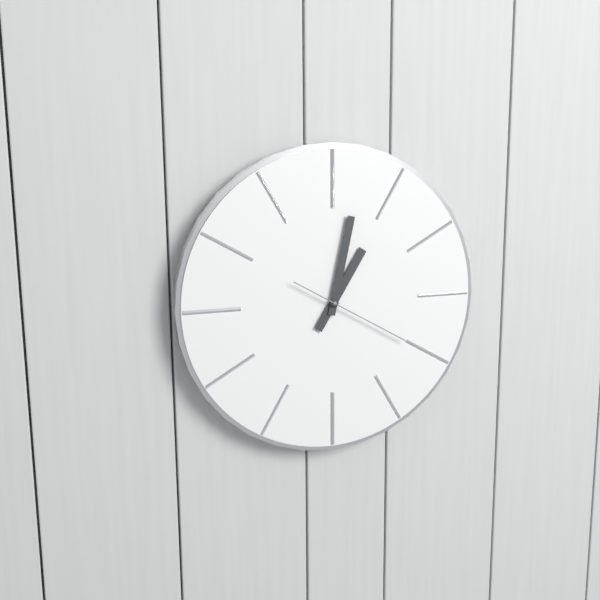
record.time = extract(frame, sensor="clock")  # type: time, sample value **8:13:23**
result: **1:02:20**
